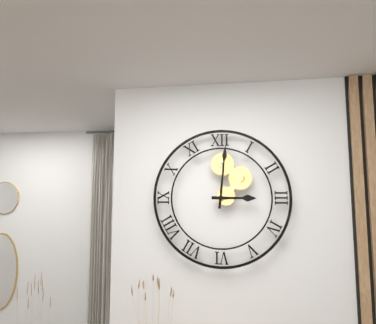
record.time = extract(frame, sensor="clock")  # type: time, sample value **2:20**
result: **3:01**
